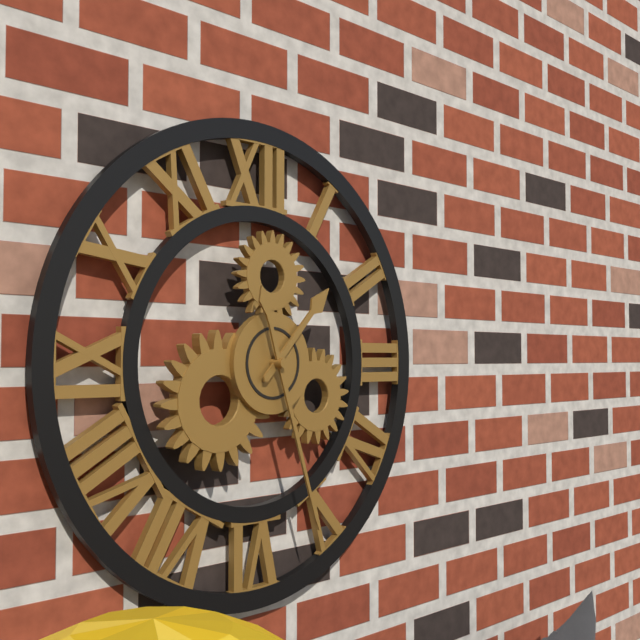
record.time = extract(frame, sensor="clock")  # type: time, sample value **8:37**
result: **1:27**
